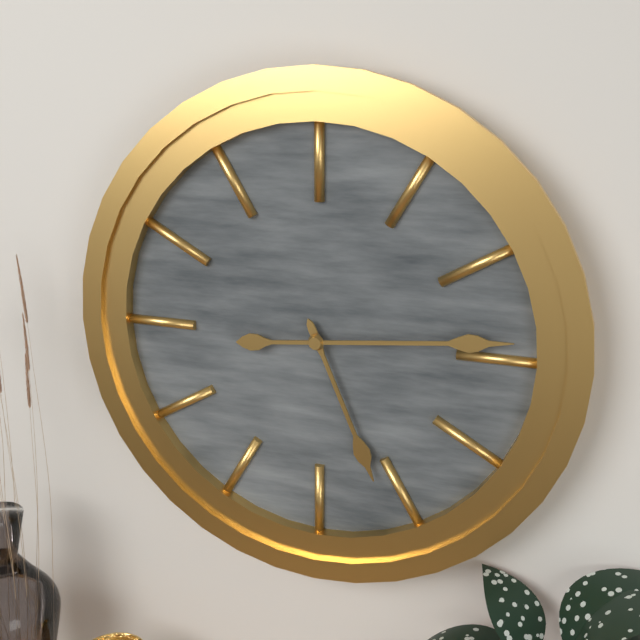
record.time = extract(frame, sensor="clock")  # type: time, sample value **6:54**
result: **5:14**
